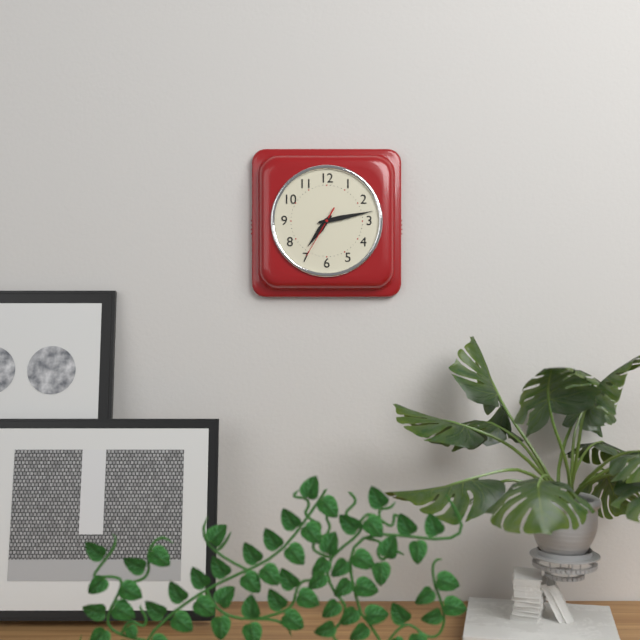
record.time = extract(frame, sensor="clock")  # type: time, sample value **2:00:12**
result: **7:13:35**
